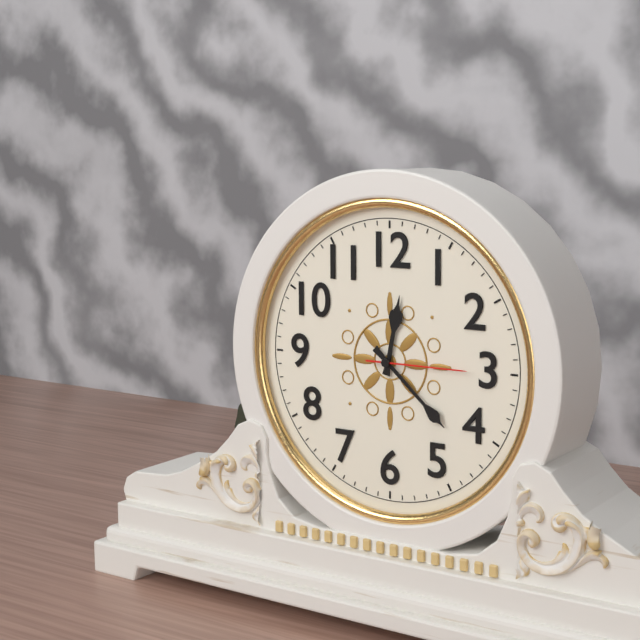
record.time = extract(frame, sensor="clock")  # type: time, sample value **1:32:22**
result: **12:22:15**
